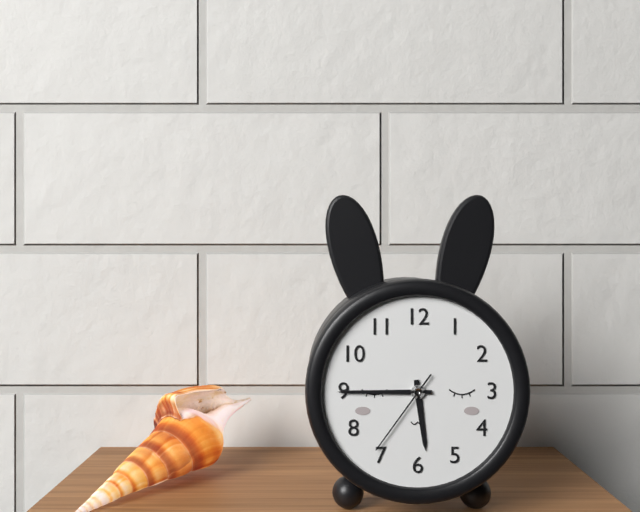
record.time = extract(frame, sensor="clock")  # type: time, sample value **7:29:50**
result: **5:45:36**
